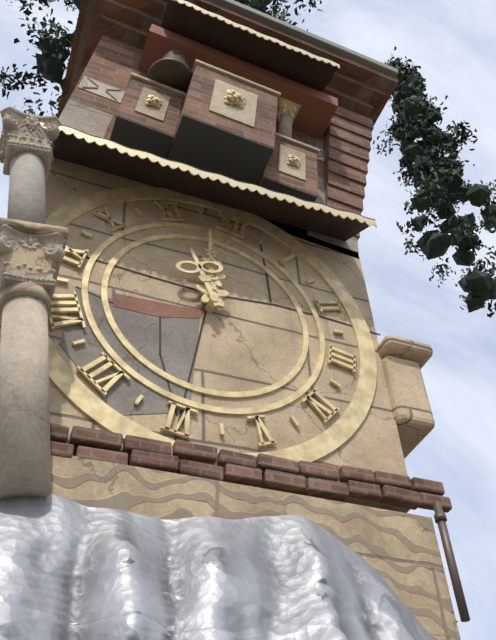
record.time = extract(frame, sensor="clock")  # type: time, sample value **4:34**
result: **10:58**
